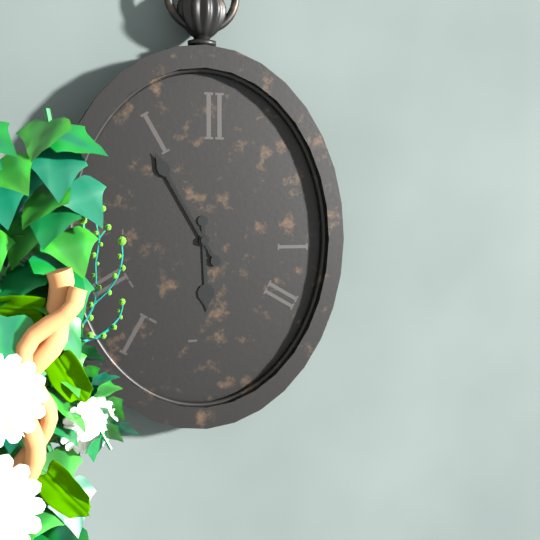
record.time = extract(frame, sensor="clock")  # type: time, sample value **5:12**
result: **5:55**
